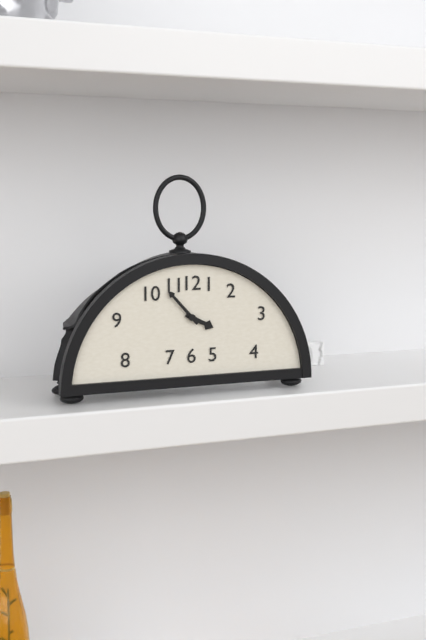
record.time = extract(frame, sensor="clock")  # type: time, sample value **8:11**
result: **3:53**
